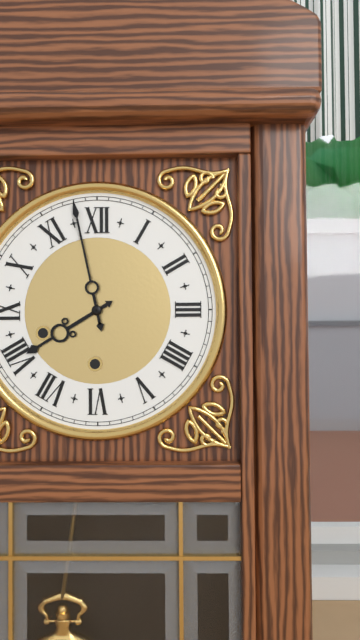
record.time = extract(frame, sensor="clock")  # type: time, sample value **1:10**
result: **7:58**
